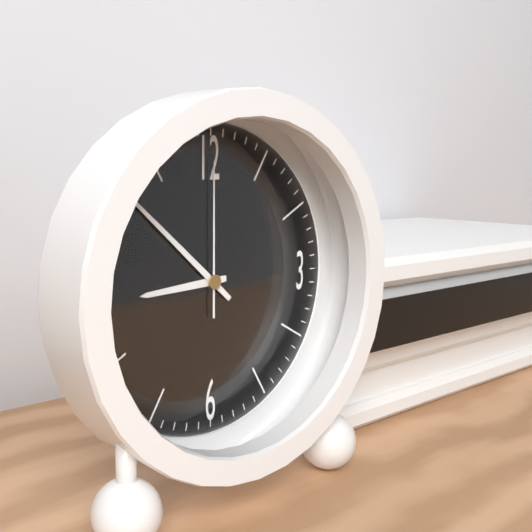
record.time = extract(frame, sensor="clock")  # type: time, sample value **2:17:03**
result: **8:52:00**
